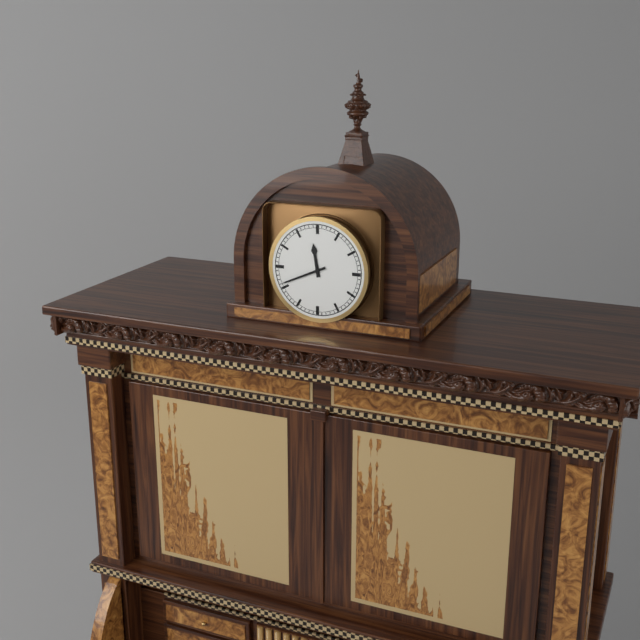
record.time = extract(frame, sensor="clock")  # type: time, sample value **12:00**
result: **11:41**
